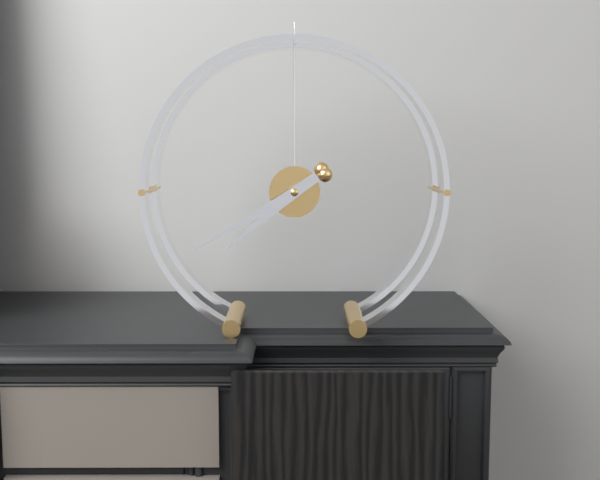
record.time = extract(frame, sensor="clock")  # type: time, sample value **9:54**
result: **7:40**
